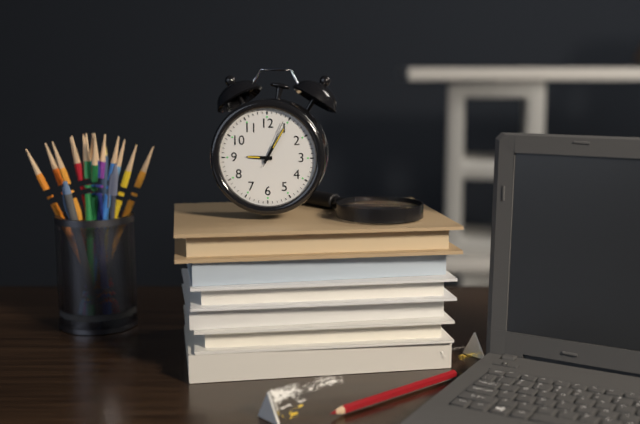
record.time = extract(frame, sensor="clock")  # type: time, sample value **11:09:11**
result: **9:05:04**
